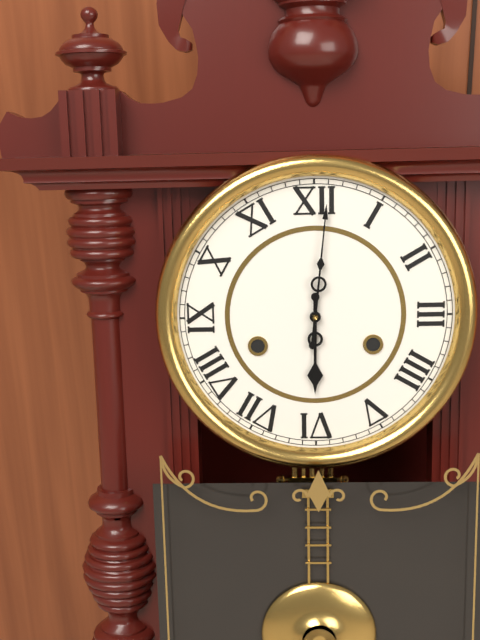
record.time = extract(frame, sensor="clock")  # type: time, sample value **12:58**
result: **6:01**
